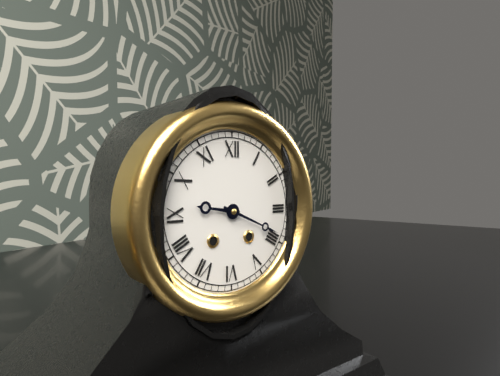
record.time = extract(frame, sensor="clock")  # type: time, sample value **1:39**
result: **9:19**
